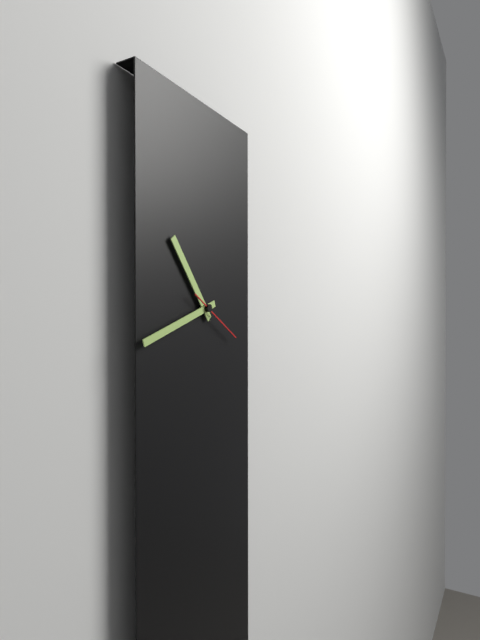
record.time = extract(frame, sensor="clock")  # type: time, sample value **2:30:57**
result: **10:42:20**
